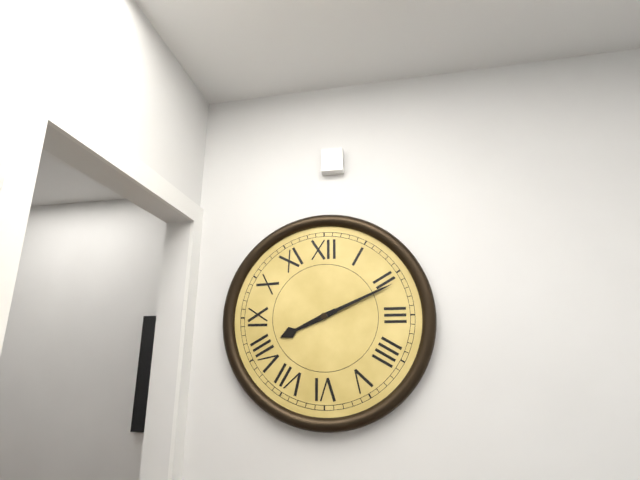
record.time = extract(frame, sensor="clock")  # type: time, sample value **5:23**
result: **8:11**
